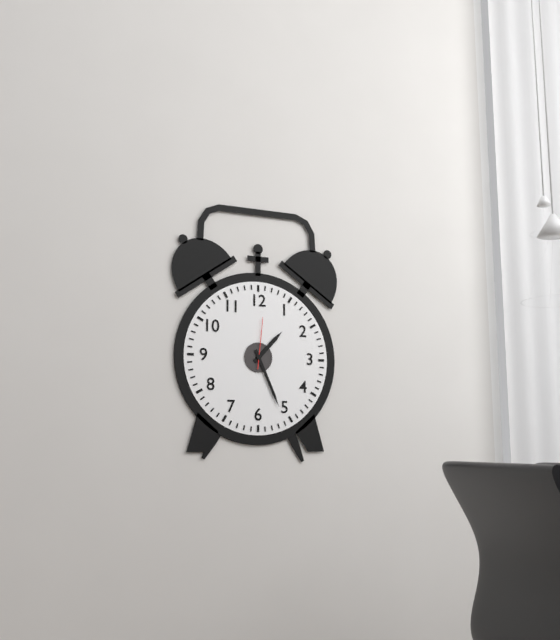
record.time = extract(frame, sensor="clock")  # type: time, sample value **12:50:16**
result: **1:26:01**
